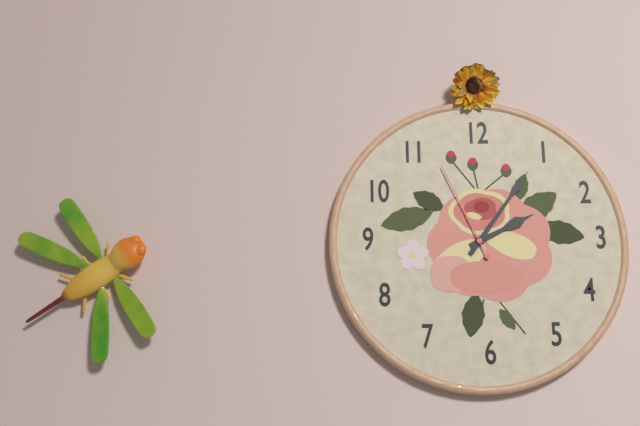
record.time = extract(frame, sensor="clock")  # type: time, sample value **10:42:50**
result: **2:06:56**
